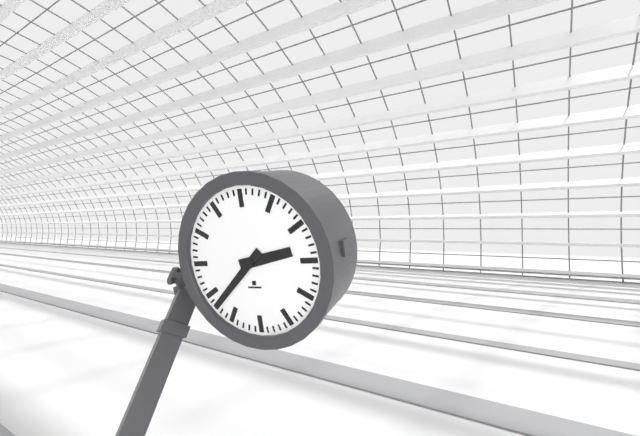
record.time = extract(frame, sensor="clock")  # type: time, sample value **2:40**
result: **2:38**
